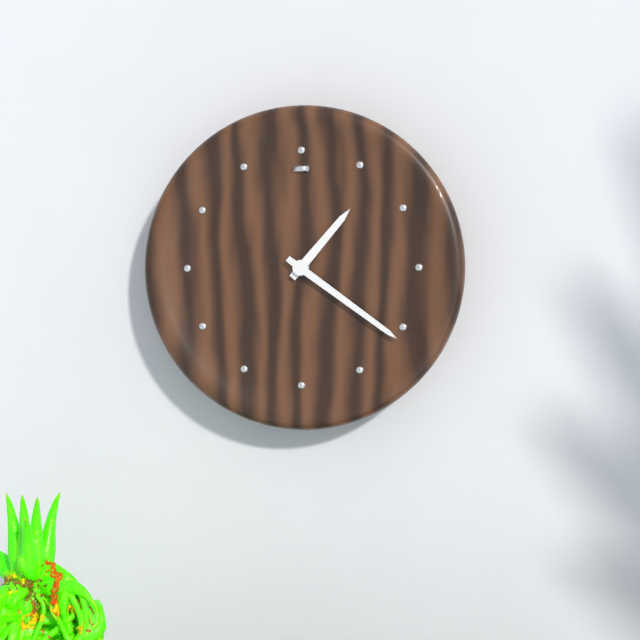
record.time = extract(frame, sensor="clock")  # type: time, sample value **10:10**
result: **1:21**
